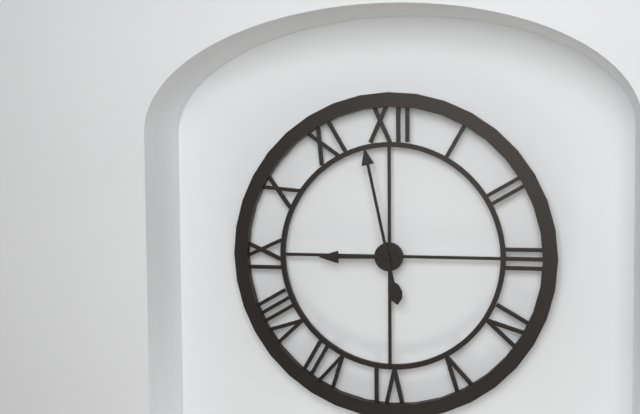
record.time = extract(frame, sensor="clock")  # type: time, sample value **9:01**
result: **8:58**
